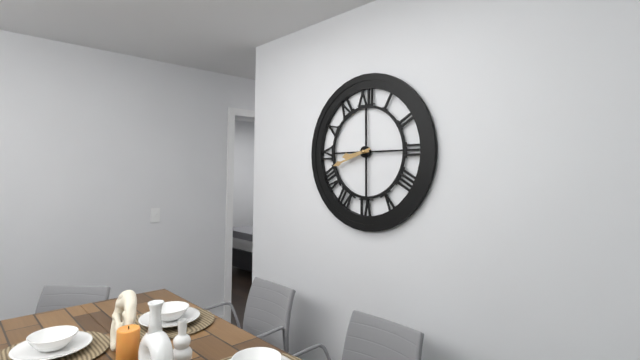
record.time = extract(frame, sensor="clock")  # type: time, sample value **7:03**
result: **8:42**
